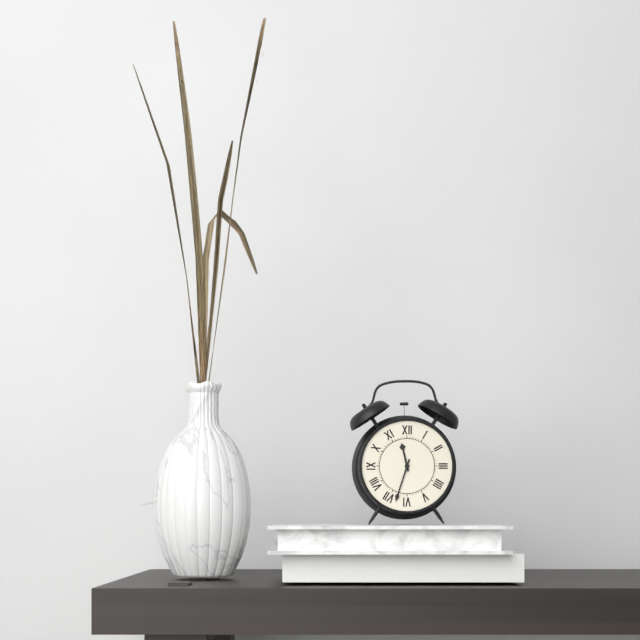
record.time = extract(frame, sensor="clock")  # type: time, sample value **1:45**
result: **11:33**
